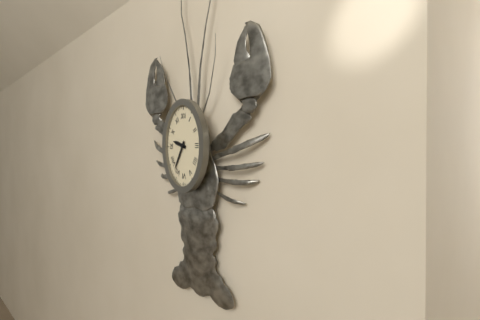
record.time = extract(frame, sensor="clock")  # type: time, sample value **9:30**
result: **9:35**
